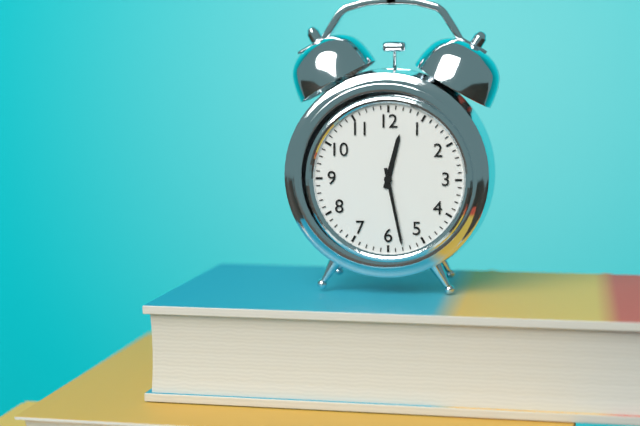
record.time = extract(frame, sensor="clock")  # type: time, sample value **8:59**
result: **12:28**
